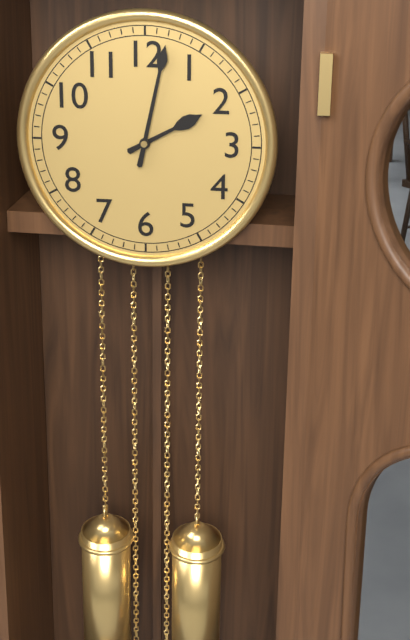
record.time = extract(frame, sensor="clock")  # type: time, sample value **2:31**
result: **2:02**
